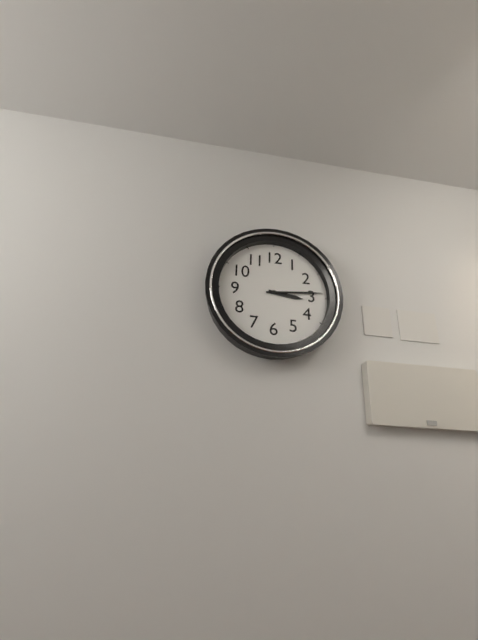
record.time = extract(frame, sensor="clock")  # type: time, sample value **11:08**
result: **3:14**
